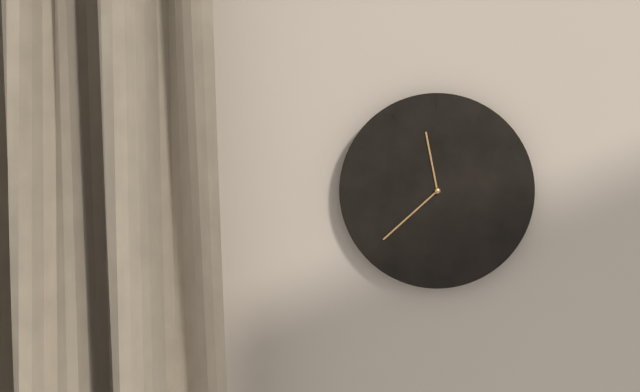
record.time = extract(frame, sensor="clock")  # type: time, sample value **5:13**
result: **11:38**
